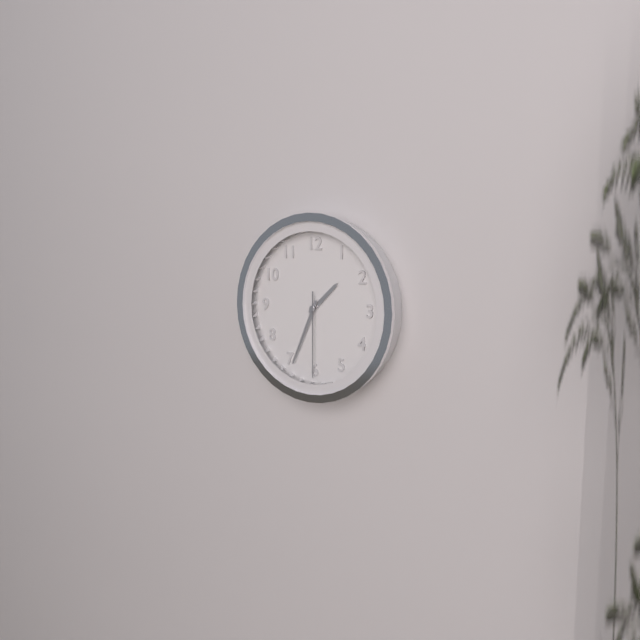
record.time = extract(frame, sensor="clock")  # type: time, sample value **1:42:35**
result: **1:34:30**
